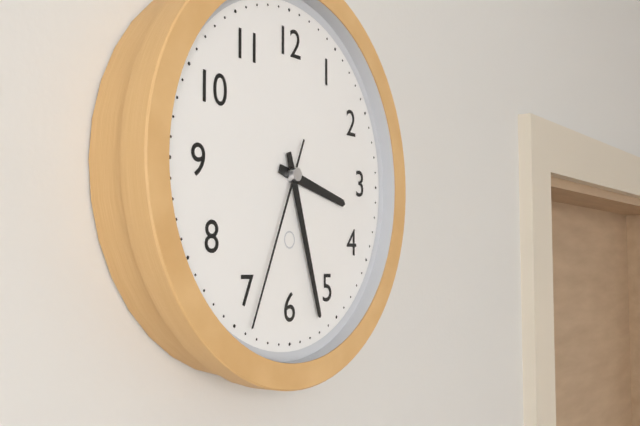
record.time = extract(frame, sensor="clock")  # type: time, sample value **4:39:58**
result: **3:27:34**
